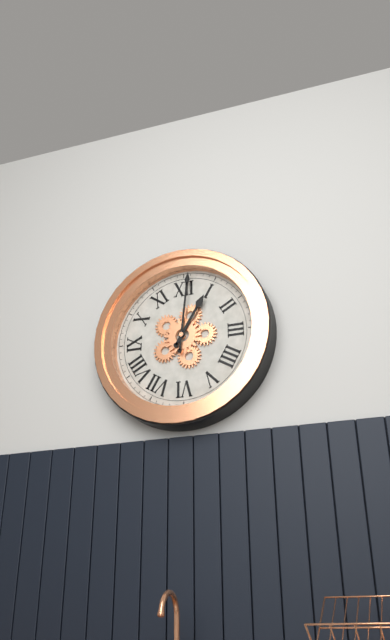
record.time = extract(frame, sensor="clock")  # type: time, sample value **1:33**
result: **1:01**
